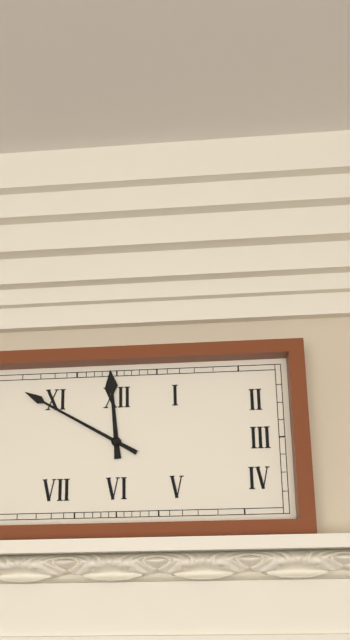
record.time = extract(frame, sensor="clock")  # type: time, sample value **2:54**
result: **11:50**
